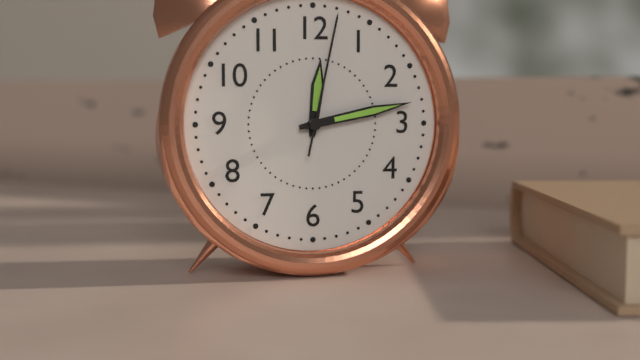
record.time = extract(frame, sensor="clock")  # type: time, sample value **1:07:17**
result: **12:13:02**
